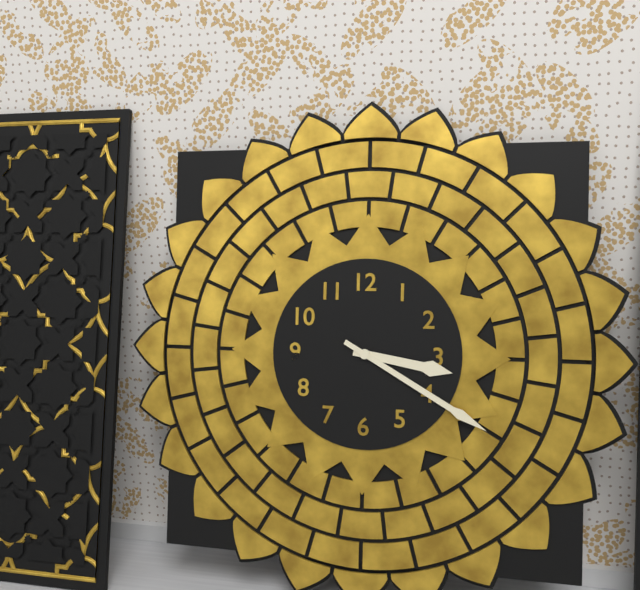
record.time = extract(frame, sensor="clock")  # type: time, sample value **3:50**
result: **3:20**
